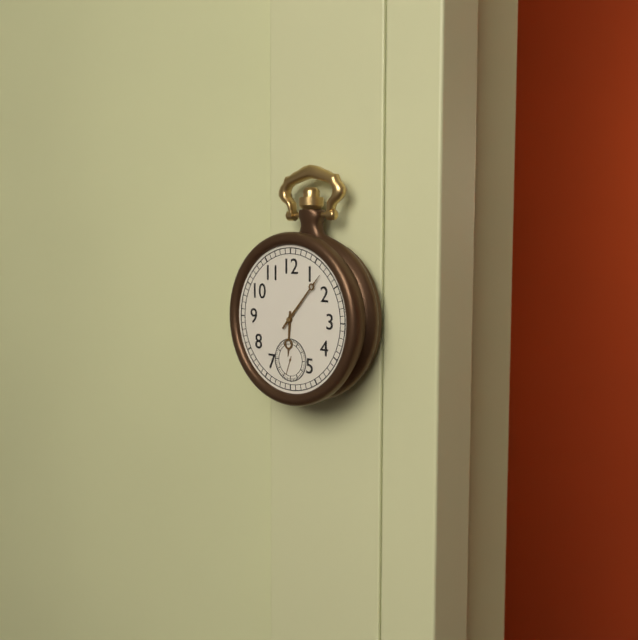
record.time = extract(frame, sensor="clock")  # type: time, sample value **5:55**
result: **6:07**
